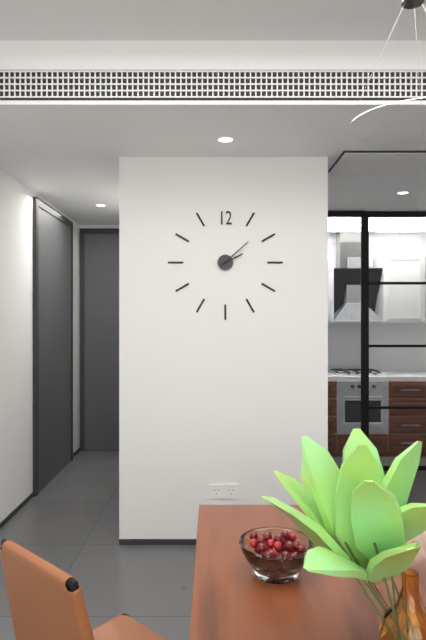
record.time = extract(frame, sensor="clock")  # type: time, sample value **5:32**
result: **2:08**
